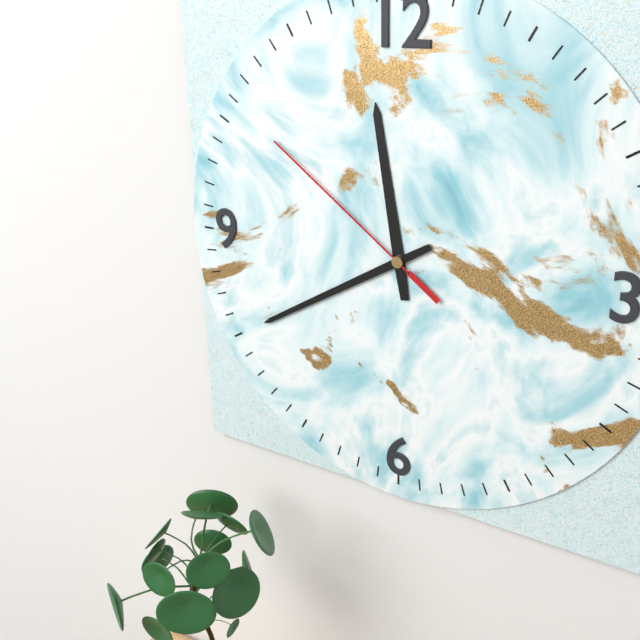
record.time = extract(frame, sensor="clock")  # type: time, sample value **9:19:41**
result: **11:40:51**
